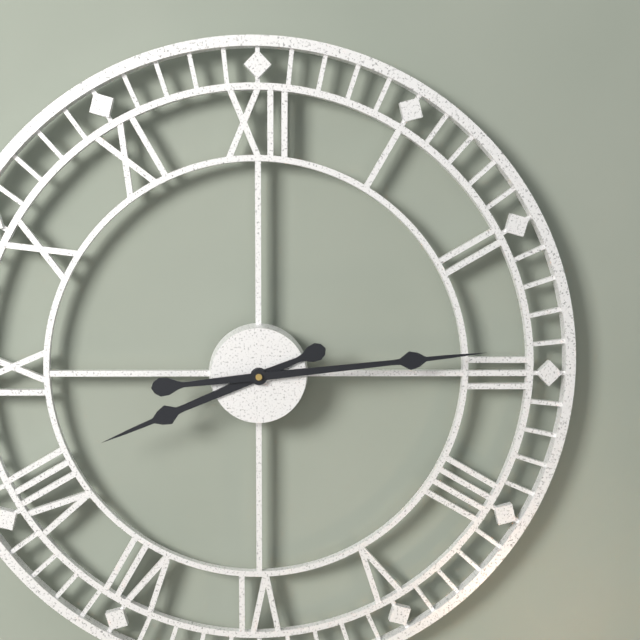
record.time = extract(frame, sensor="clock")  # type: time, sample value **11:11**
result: **8:14**
